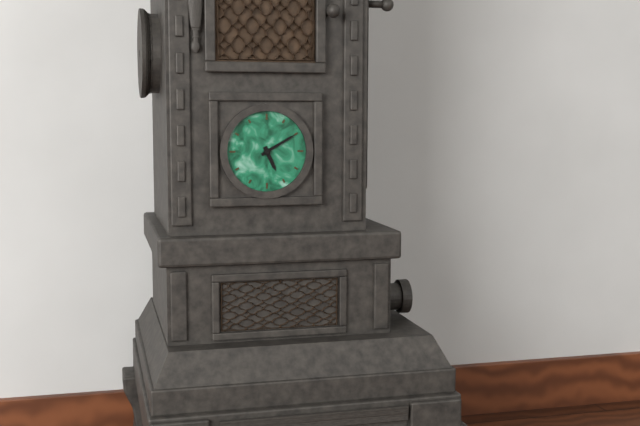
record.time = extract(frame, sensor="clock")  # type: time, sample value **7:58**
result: **5:10**
